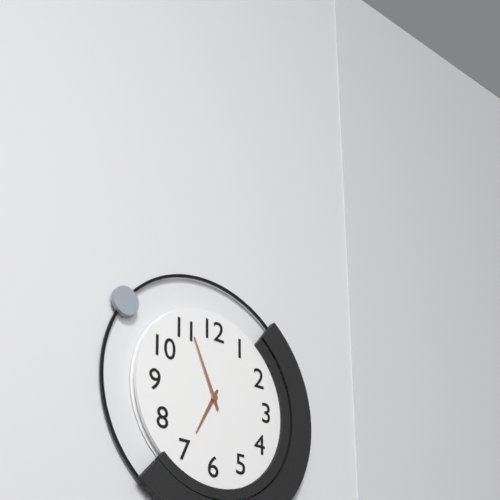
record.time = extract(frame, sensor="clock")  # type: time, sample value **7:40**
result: **6:56**
